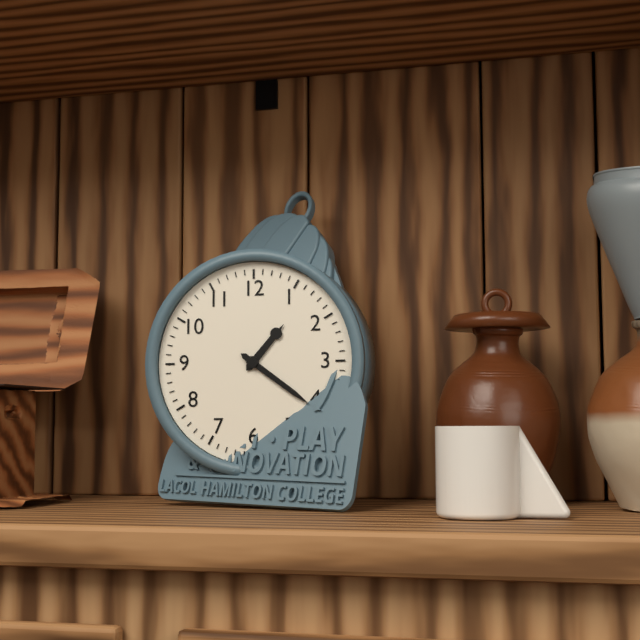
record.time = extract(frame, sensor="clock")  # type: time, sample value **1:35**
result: **1:21**
